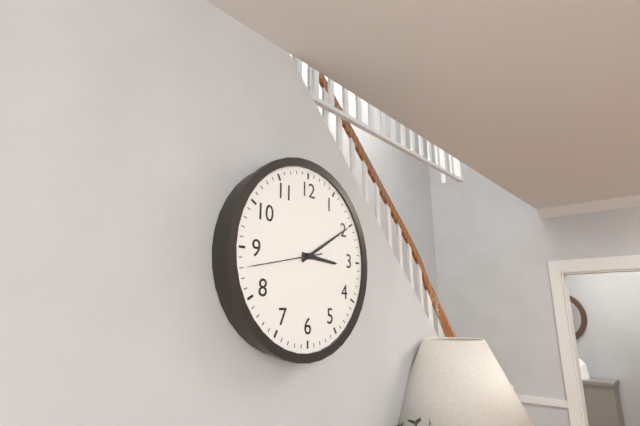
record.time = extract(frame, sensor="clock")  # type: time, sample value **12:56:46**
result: **3:10:43**
